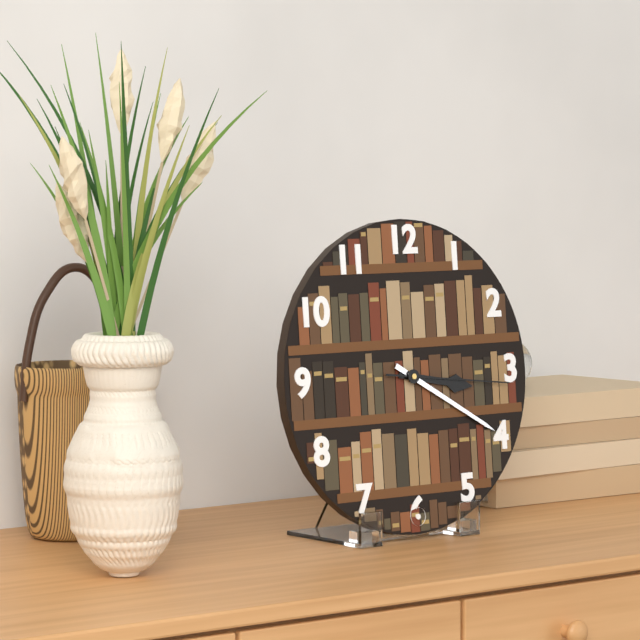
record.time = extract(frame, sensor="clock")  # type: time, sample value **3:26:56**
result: **3:20:16**
